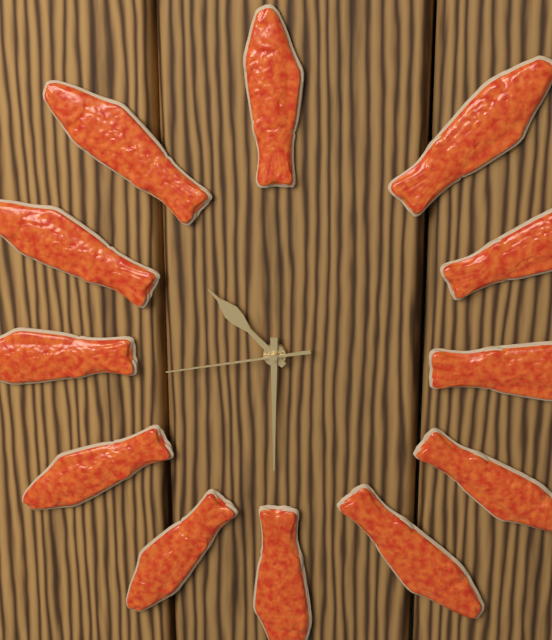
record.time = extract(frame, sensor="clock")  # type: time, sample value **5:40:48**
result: **10:30:43**
